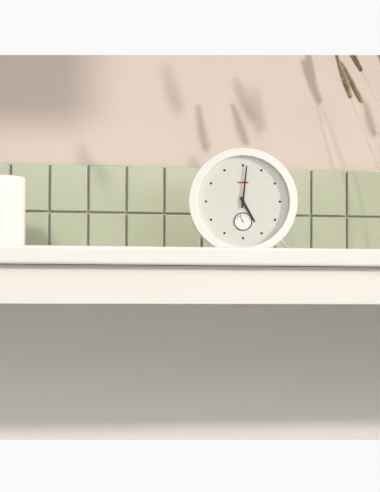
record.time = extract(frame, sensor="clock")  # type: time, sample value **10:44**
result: **5:01**
